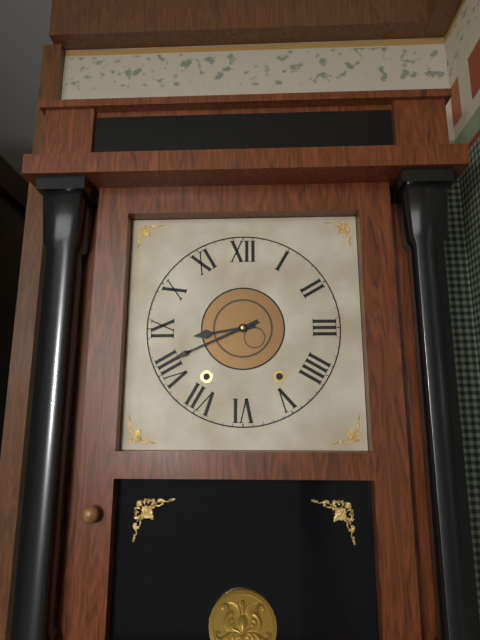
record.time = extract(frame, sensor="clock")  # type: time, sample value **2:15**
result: **8:41**
